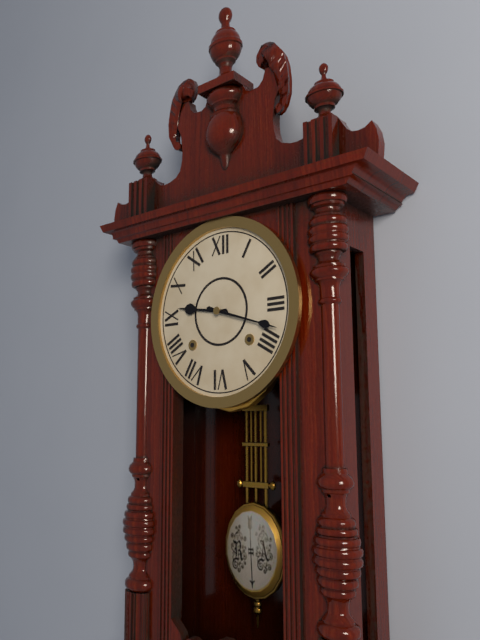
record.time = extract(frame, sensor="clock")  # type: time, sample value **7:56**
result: **9:18**
